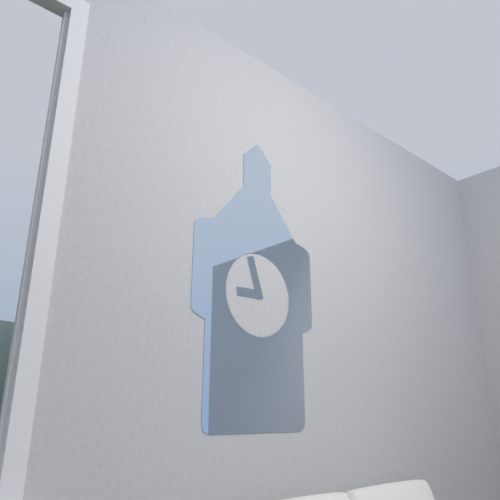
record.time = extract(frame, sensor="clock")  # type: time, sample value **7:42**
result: **8:57**
